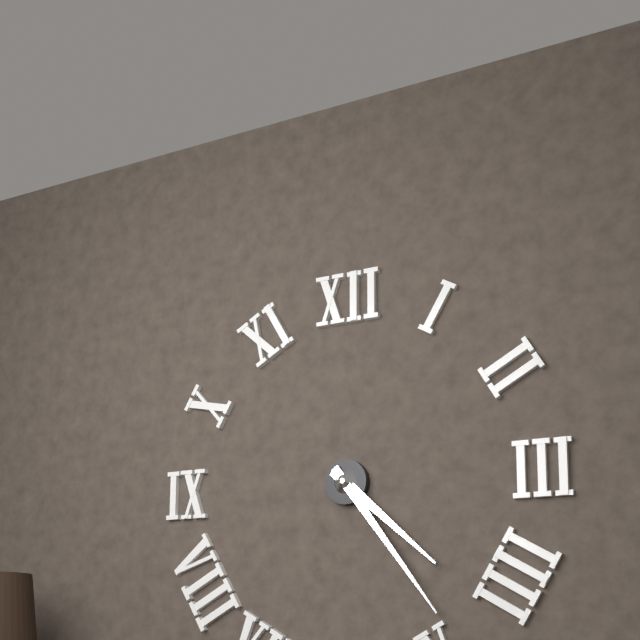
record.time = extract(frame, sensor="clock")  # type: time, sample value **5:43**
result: **4:24**
